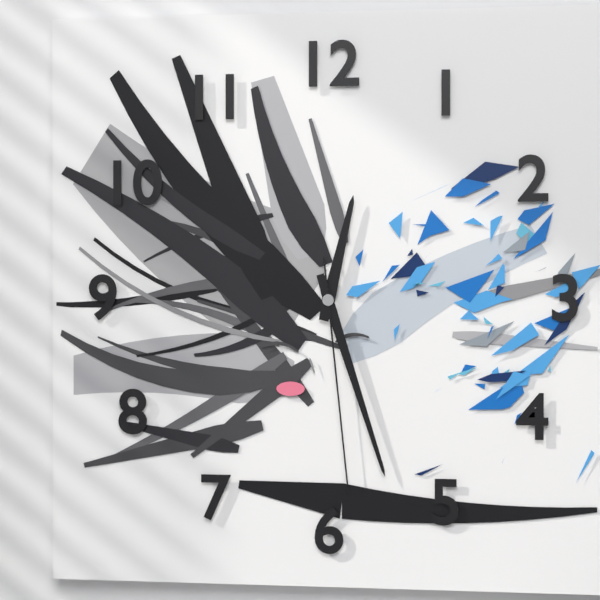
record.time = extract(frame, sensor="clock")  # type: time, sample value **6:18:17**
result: **12:27:29**
